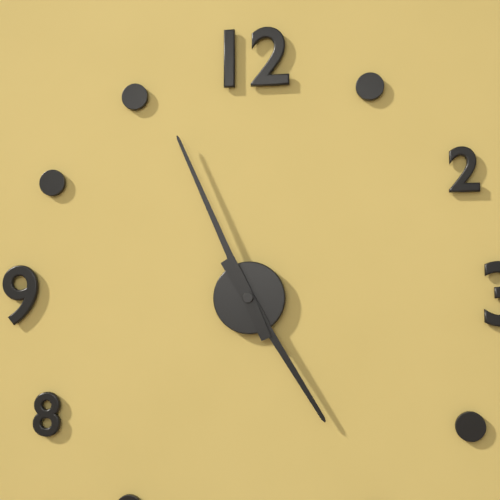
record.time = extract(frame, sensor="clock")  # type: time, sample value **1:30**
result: **4:56**
